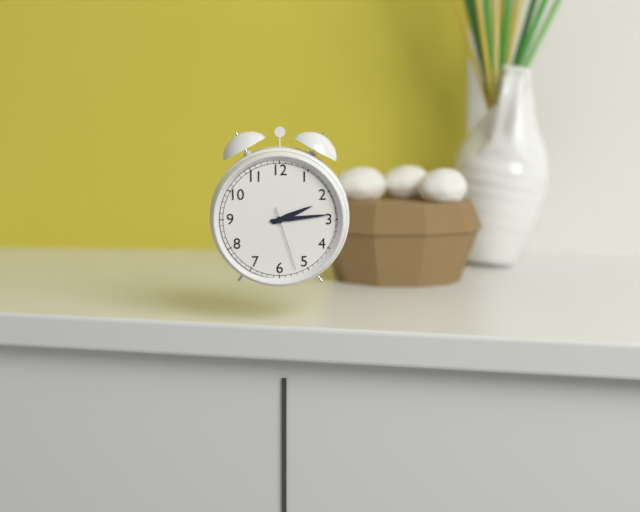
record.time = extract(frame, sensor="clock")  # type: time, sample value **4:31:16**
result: **2:14:27**
